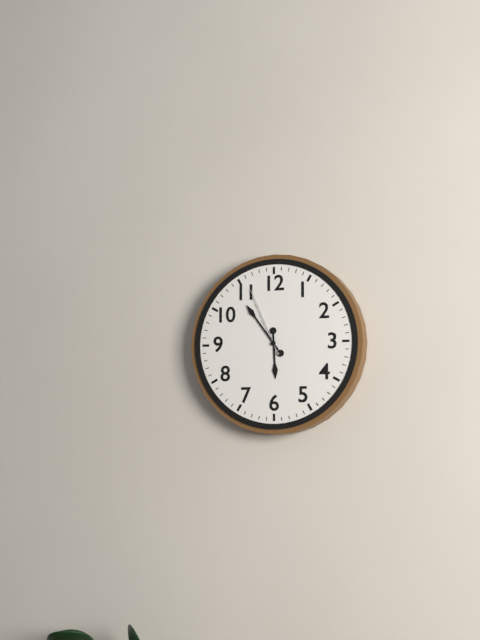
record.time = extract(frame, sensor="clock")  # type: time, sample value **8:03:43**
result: **5:54:56**
